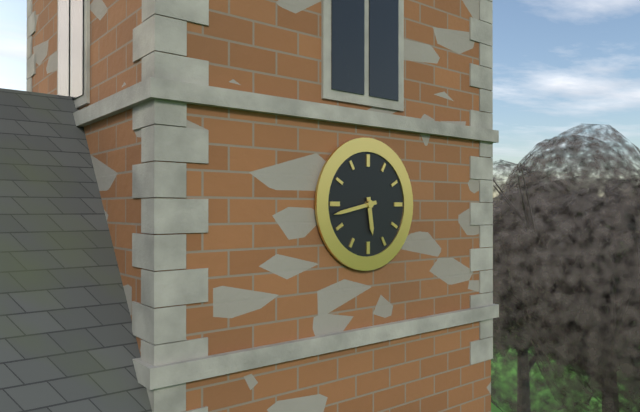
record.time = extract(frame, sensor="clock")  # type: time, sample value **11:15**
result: **5:43**
